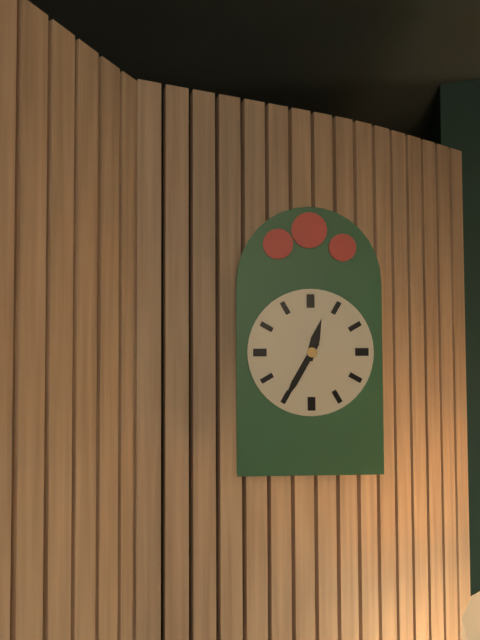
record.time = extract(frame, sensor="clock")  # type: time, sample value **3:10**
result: **12:35**
